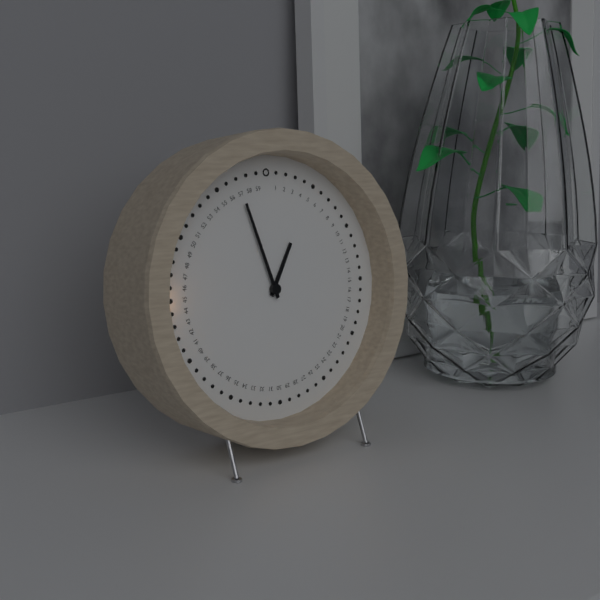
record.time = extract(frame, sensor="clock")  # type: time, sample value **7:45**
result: **12:57**
